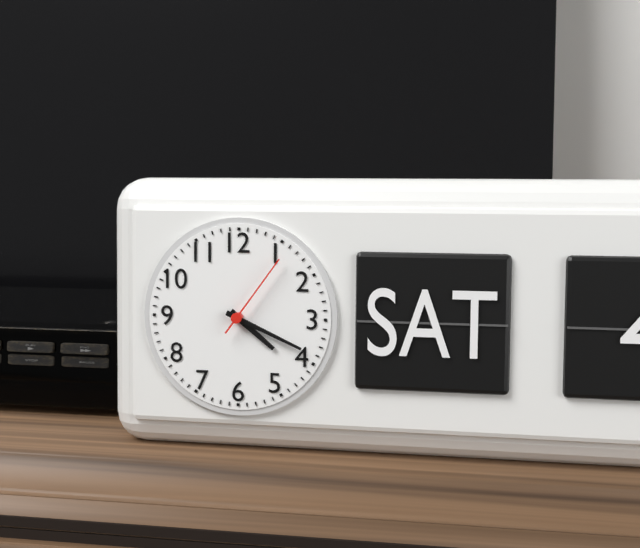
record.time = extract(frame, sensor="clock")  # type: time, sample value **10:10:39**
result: **4:19:06**
